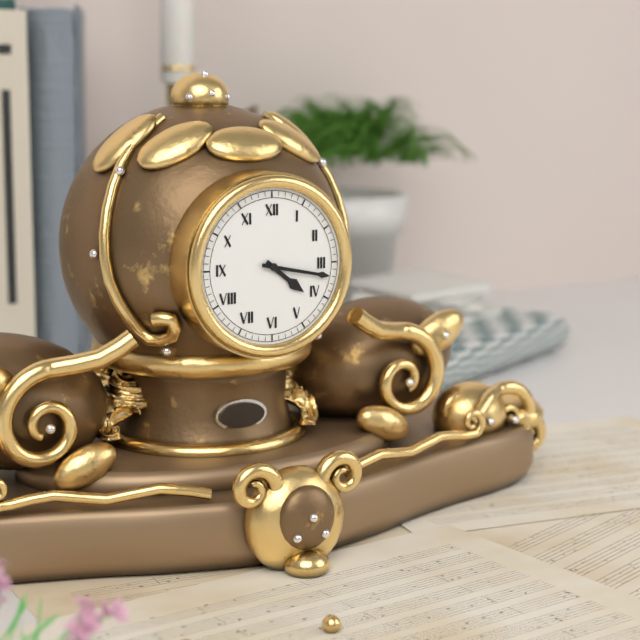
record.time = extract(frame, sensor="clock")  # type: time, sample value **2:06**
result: **4:17**
